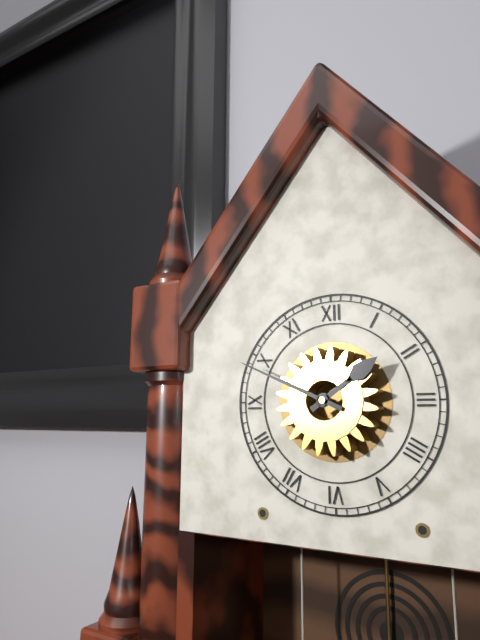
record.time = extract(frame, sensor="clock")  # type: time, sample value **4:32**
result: **1:49**
